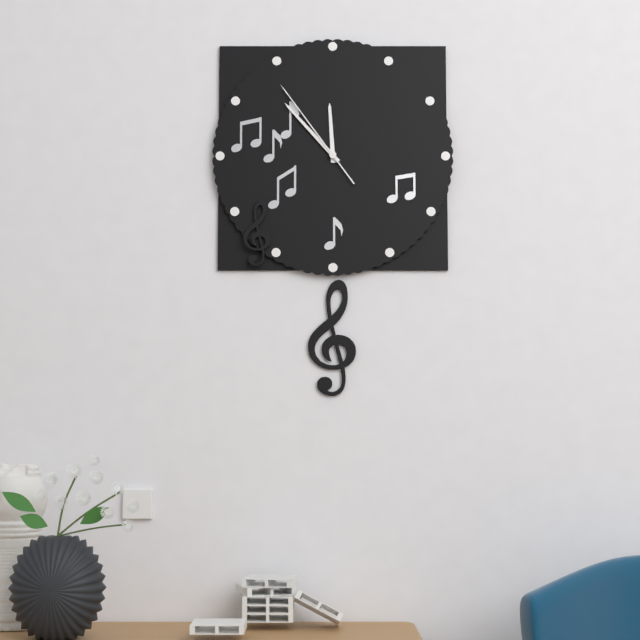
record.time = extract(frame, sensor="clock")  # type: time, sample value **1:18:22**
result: **11:53:54**
